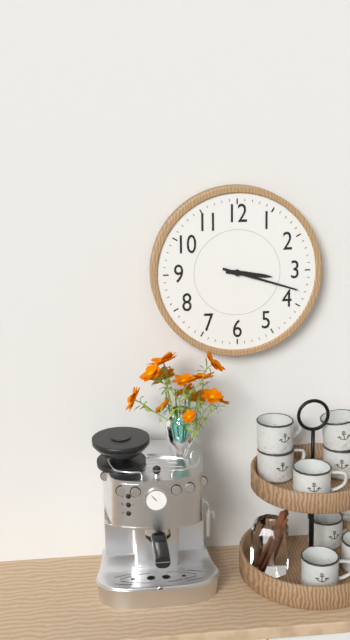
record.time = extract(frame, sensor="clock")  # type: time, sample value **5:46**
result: **3:18**
